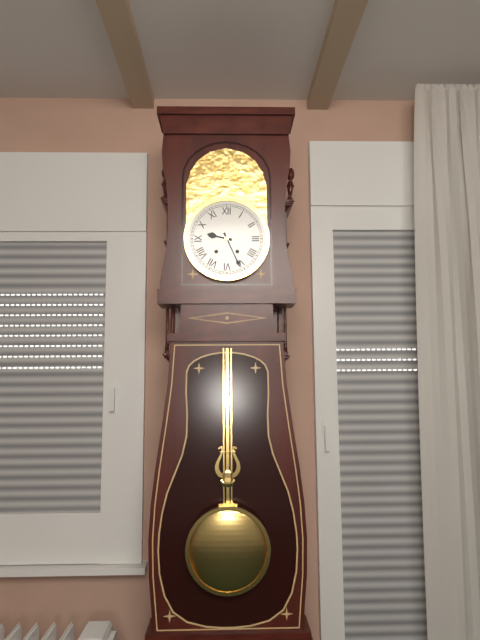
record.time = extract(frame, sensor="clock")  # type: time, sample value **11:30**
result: **9:26**
